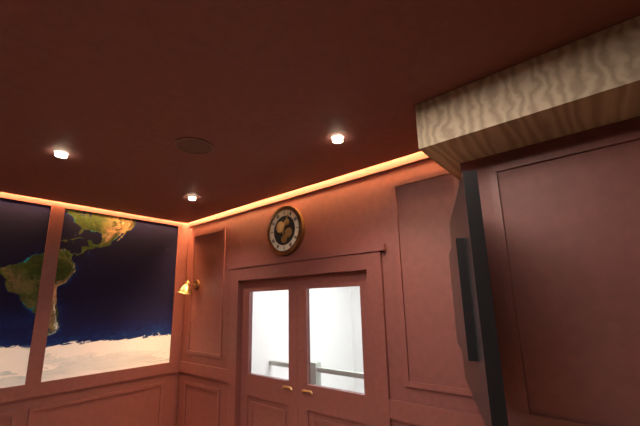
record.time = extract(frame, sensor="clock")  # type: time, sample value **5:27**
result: **6:04**
